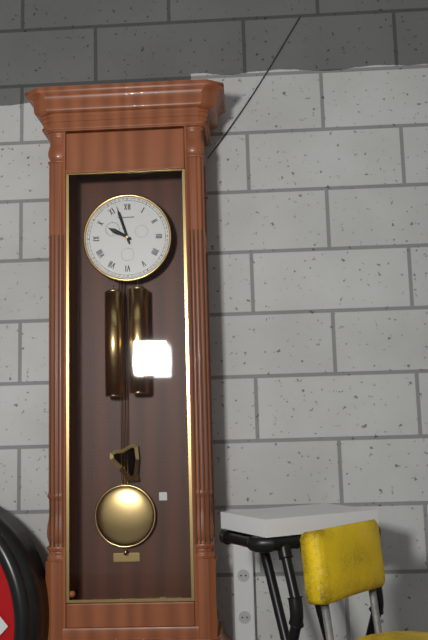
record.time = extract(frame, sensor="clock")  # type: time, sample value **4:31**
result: **9:57**
